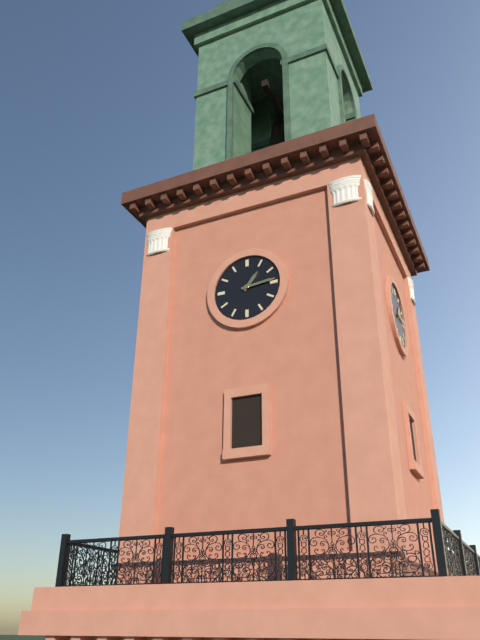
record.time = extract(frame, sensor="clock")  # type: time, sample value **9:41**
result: **1:14**
